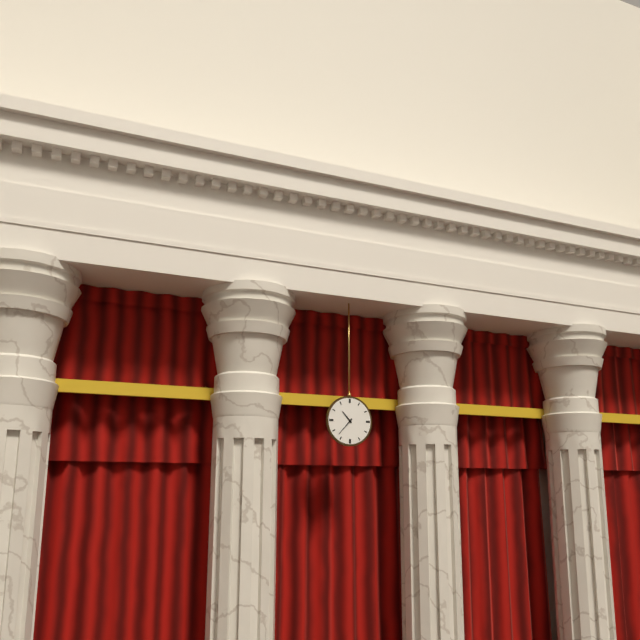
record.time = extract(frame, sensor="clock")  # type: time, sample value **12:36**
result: **10:37**
